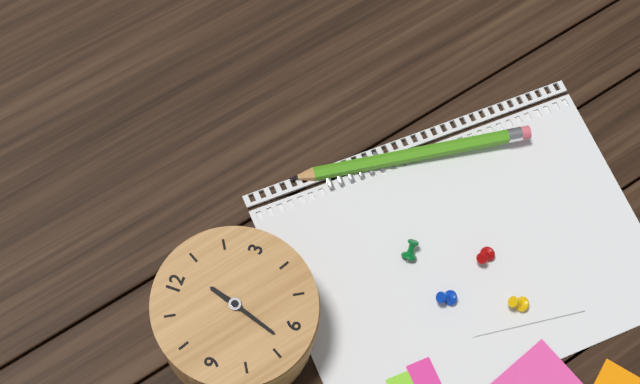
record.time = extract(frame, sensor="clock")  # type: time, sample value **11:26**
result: **12:33**
